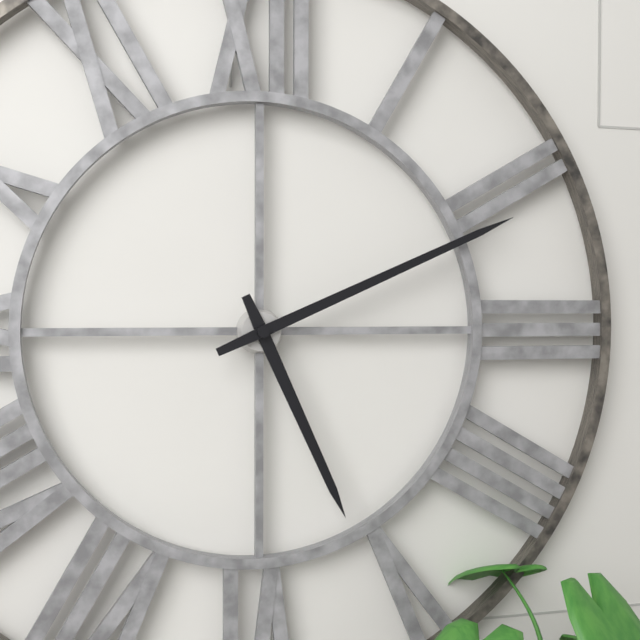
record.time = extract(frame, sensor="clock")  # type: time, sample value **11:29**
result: **5:11**
